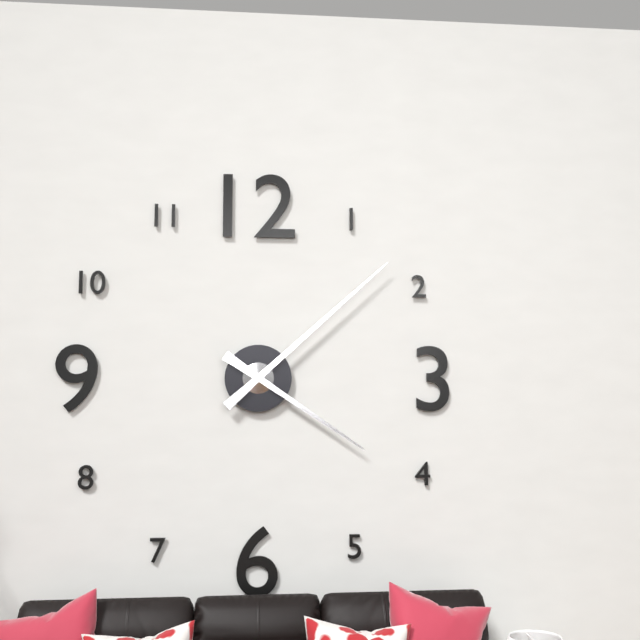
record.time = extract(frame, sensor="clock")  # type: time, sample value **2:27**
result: **4:08**
